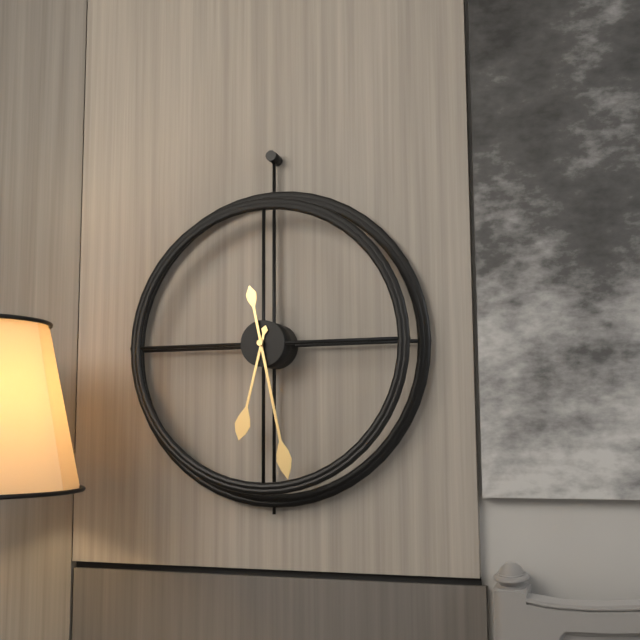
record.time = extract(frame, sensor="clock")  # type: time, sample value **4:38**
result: **6:28**
